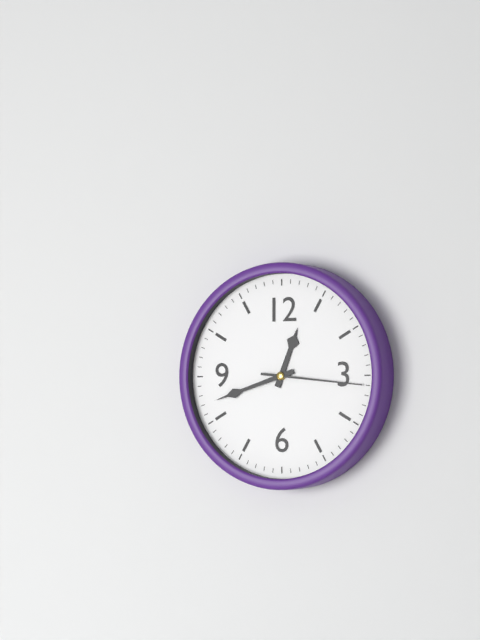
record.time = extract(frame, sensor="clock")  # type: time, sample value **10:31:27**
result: **12:42:16**
